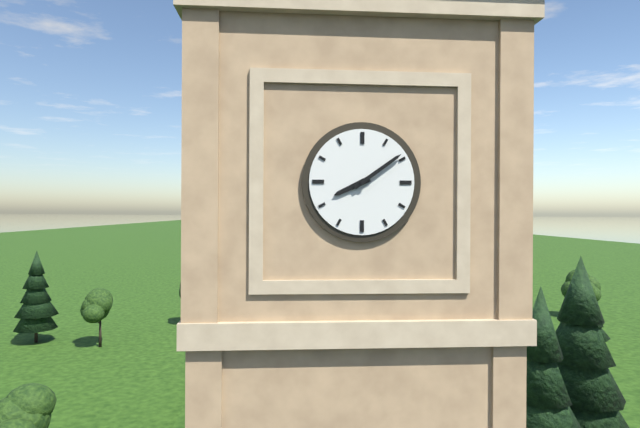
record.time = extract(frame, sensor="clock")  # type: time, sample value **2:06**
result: **8:09**
